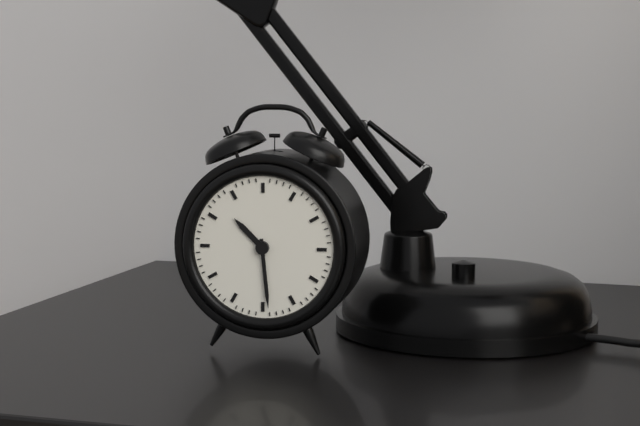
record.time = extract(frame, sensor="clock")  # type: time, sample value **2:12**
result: **10:29**
